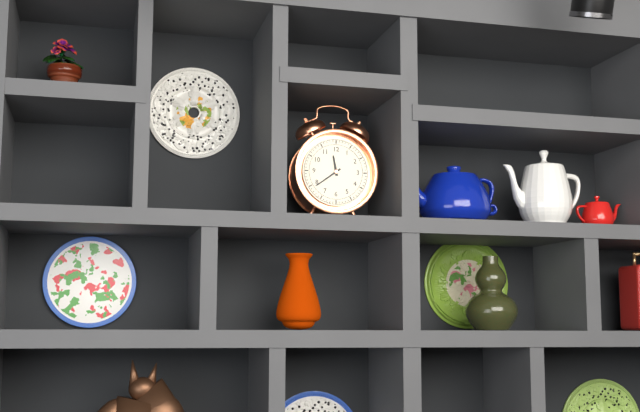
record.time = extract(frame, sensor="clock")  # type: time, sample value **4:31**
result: **11:39**
